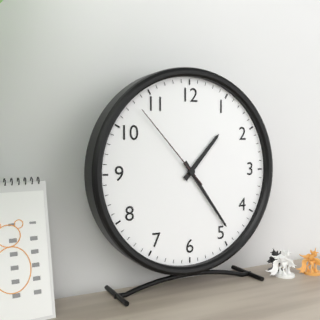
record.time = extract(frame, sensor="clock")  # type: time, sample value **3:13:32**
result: **1:24:53**
